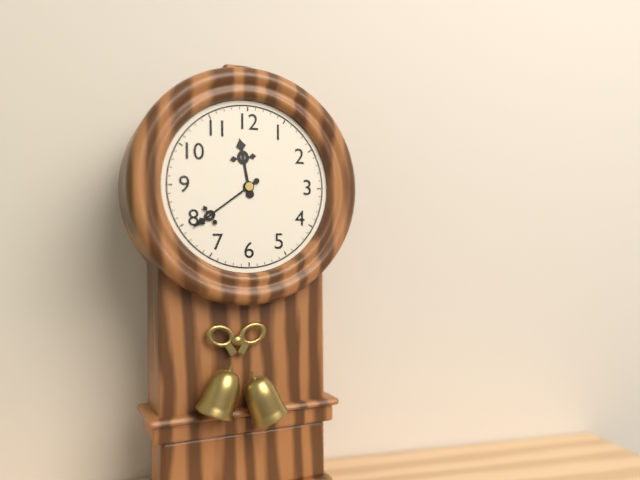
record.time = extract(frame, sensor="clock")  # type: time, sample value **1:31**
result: **11:39**
